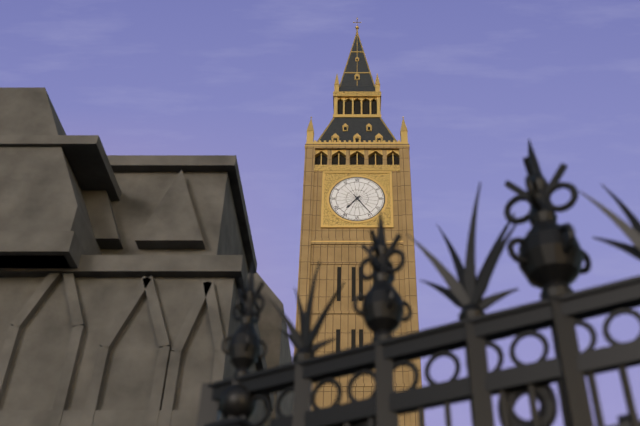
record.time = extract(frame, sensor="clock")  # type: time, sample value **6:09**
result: **7:24**
